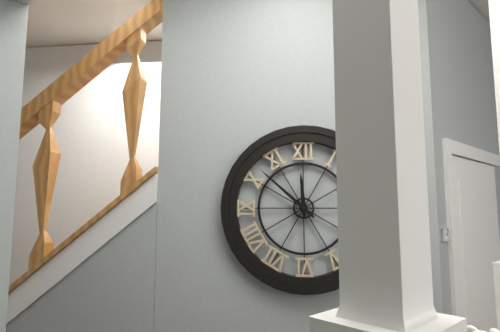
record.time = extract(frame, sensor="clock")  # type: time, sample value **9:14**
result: **11:52**
